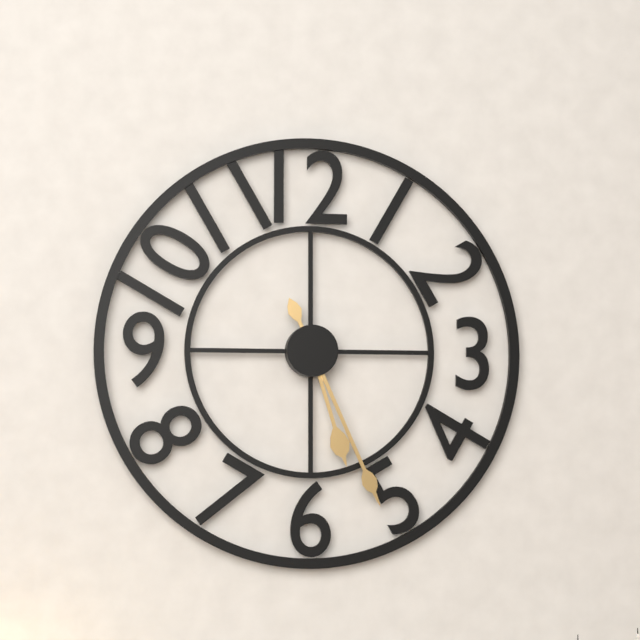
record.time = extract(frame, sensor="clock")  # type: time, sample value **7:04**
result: **5:26**
